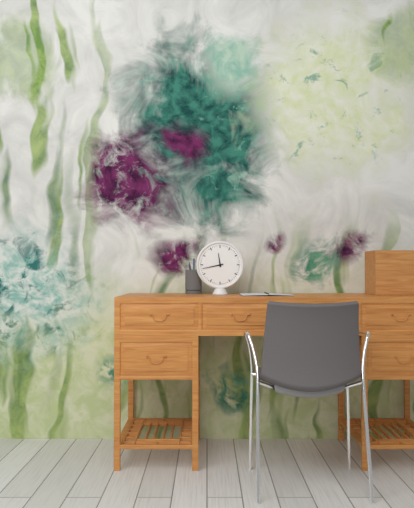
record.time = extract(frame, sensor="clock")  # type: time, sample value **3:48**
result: **11:43**
